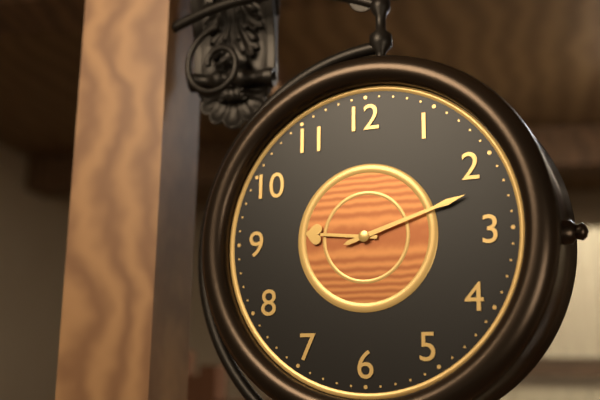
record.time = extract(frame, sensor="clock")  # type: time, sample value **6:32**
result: **9:12**
